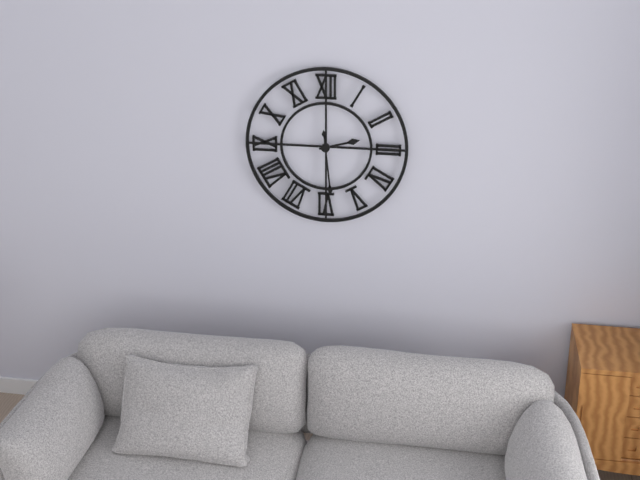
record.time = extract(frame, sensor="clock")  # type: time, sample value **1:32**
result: **2:29**
